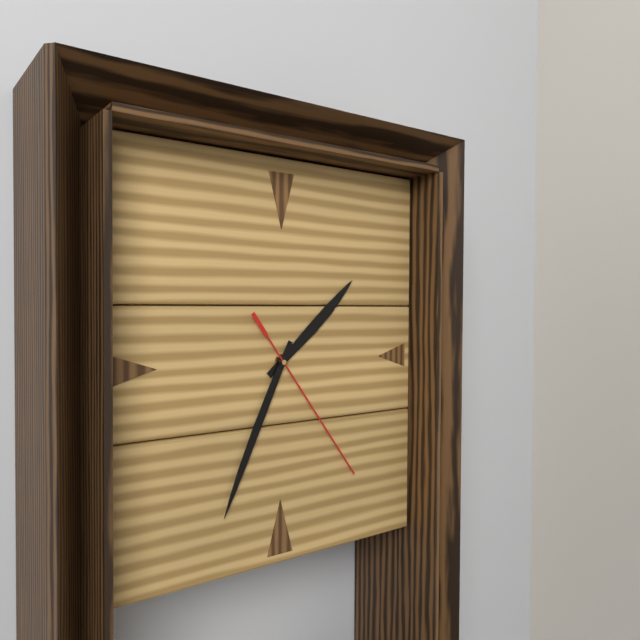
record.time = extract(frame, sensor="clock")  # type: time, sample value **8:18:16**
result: **1:34:24**
